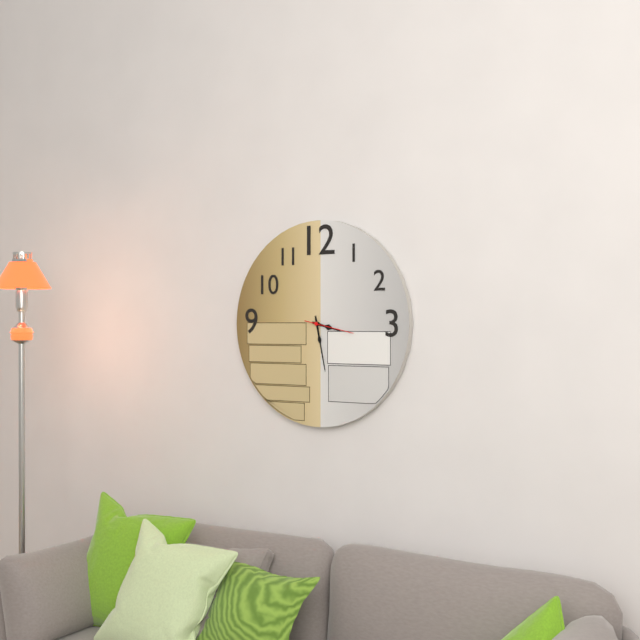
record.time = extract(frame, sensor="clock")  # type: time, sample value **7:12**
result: **3:28**
